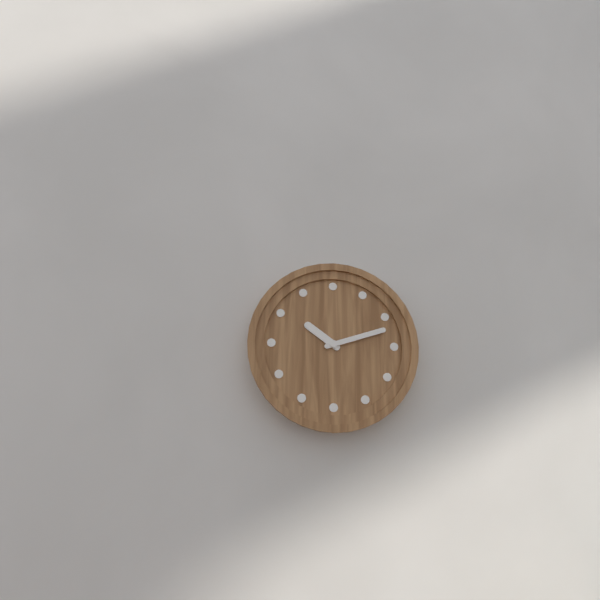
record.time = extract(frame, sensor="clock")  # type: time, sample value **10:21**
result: **10:12**
